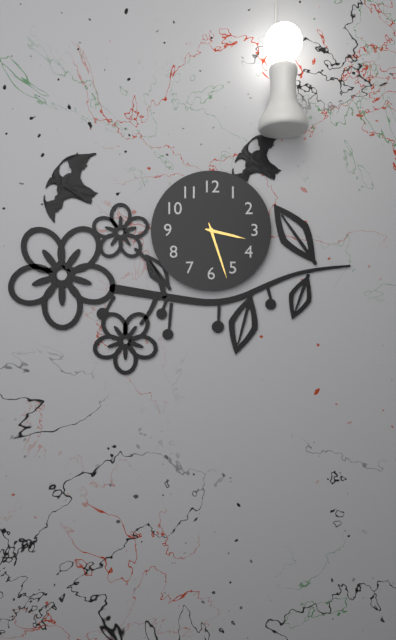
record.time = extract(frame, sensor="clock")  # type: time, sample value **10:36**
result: **3:27**
